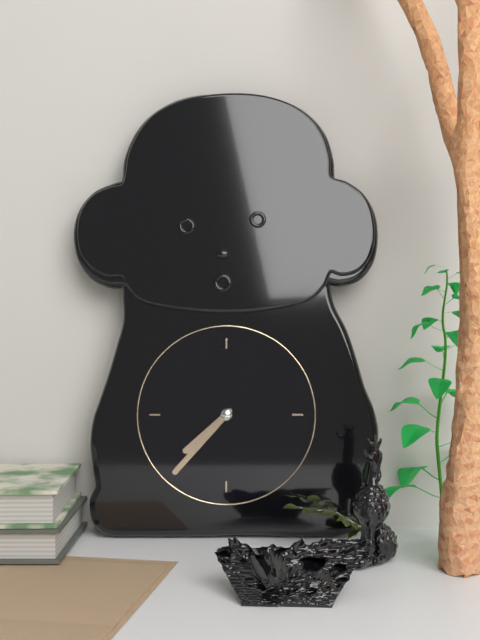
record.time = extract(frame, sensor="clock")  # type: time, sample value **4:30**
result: **7:37**
